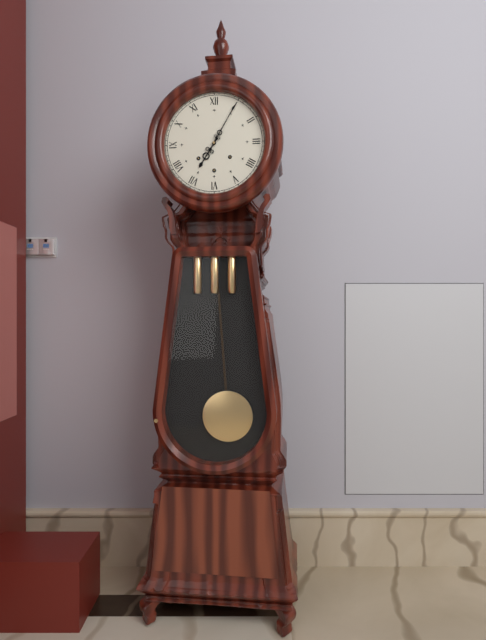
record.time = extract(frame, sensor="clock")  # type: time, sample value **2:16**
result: **7:05**
